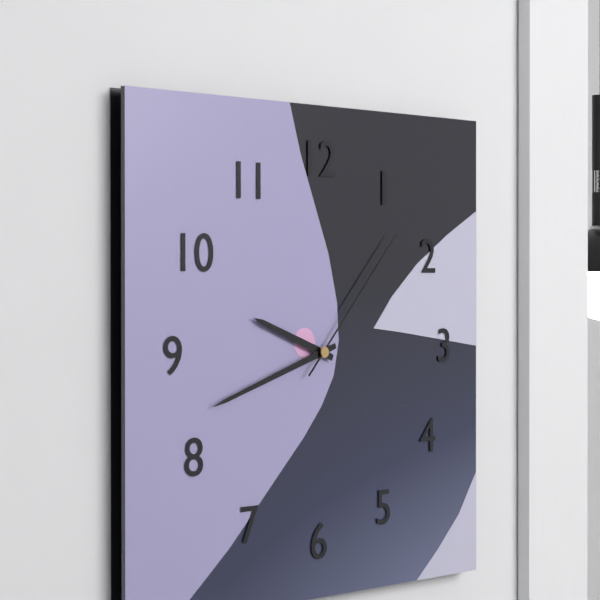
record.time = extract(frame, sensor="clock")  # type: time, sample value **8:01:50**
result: **9:42:07**
